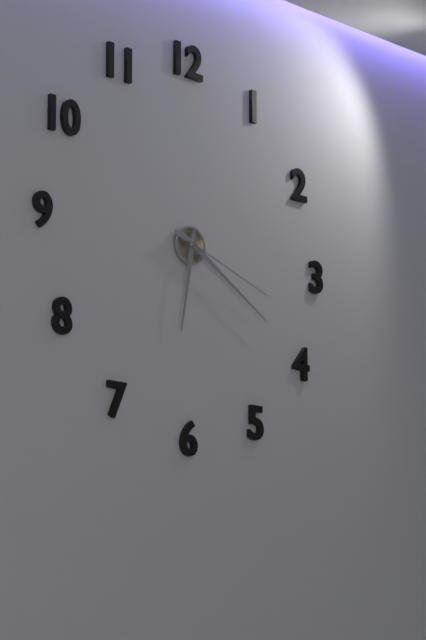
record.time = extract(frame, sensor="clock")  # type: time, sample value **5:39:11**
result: **6:20:18**
